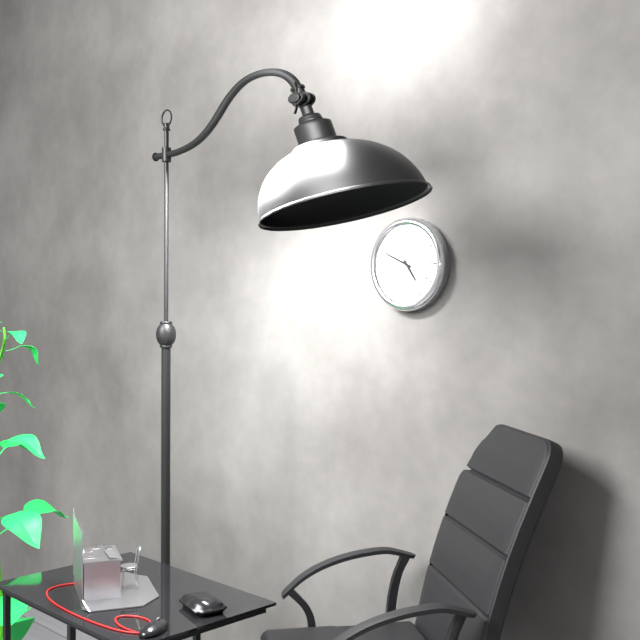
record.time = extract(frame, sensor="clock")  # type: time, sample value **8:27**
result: **4:49**
